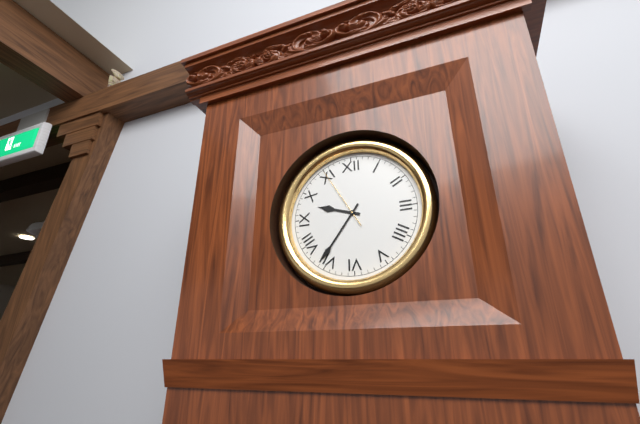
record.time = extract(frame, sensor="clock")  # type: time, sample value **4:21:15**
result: **9:36:55**
